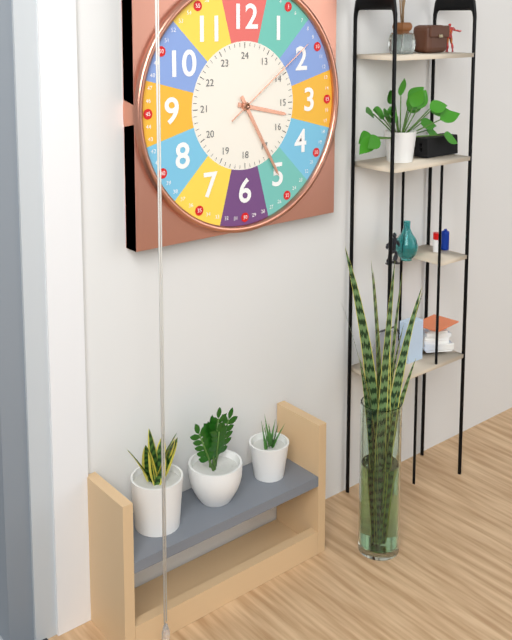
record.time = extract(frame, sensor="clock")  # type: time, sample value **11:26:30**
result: **3:25:09**
